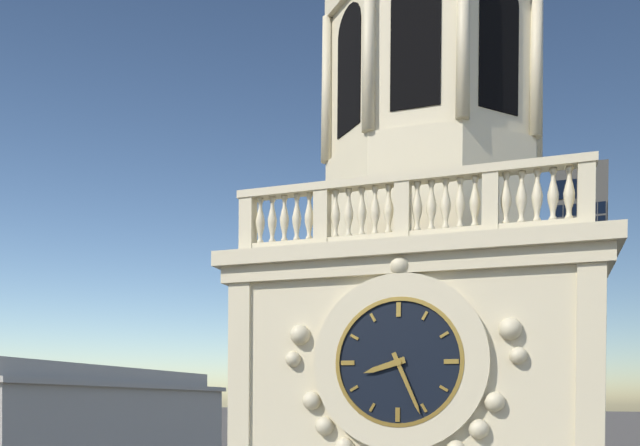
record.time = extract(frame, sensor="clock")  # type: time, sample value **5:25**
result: **8:26**
